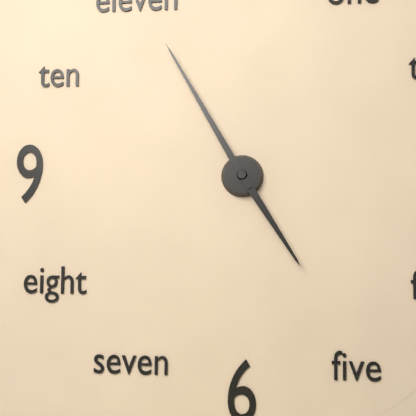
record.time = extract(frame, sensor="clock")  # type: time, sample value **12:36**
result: **4:55**
